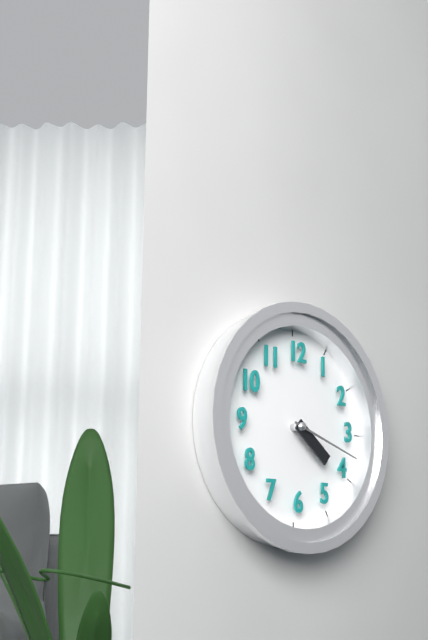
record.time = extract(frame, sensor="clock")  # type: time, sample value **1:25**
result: **4:18**
